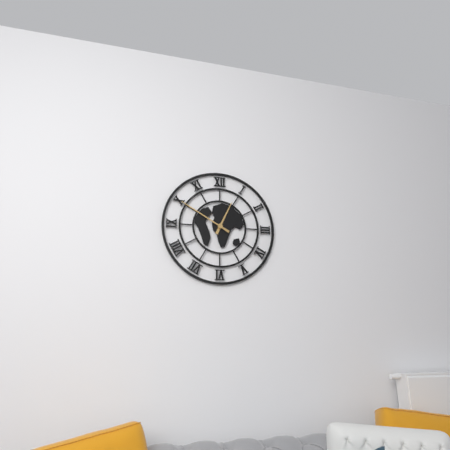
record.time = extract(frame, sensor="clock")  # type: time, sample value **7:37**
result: **12:50**
